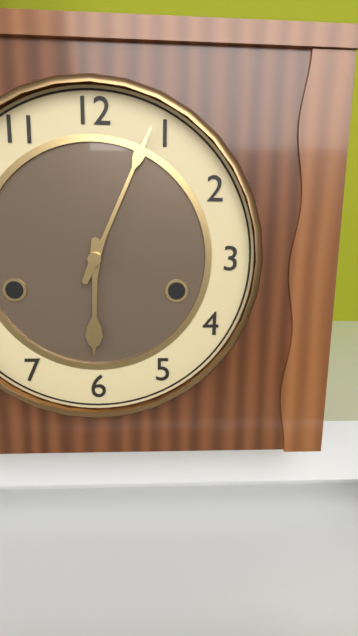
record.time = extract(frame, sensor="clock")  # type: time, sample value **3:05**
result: **6:04**
